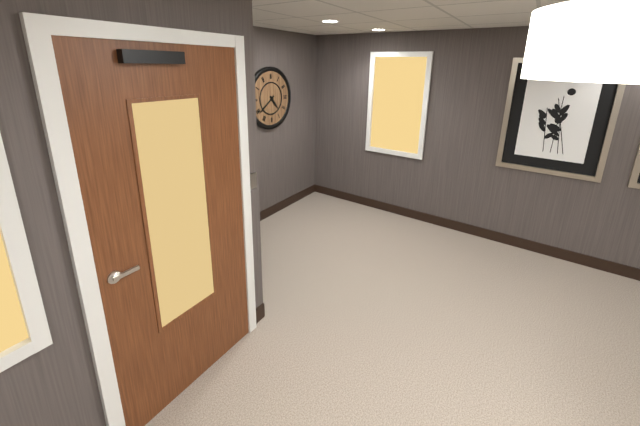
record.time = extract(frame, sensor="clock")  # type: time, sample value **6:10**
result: **4:39**
